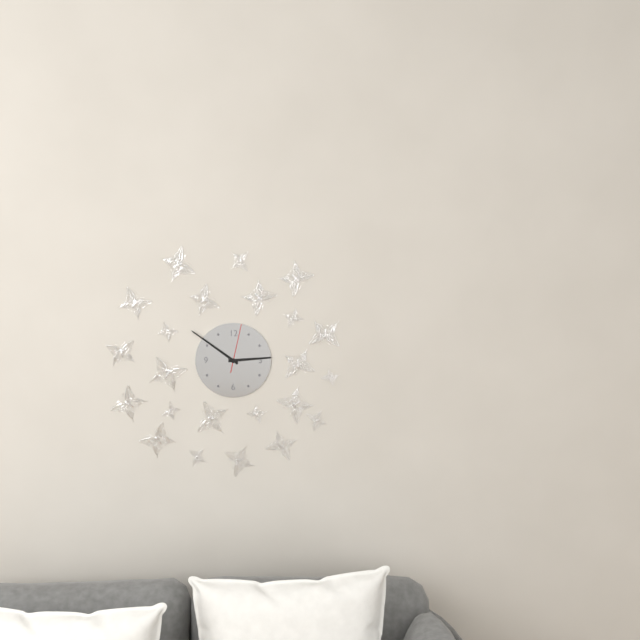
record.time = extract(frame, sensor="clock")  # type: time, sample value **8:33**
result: **2:51**
